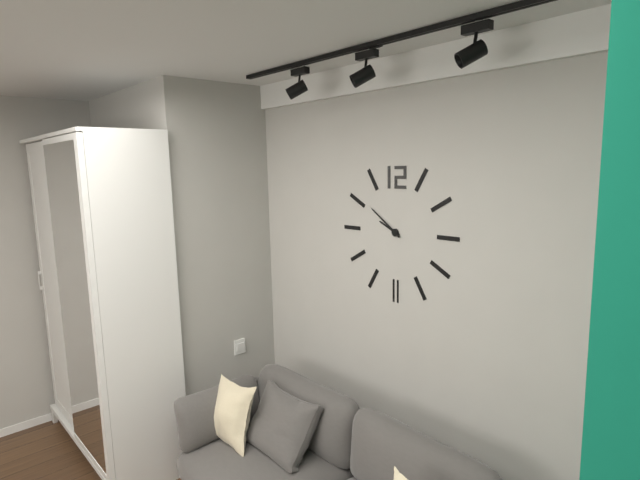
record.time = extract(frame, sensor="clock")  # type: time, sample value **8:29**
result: **9:51**
